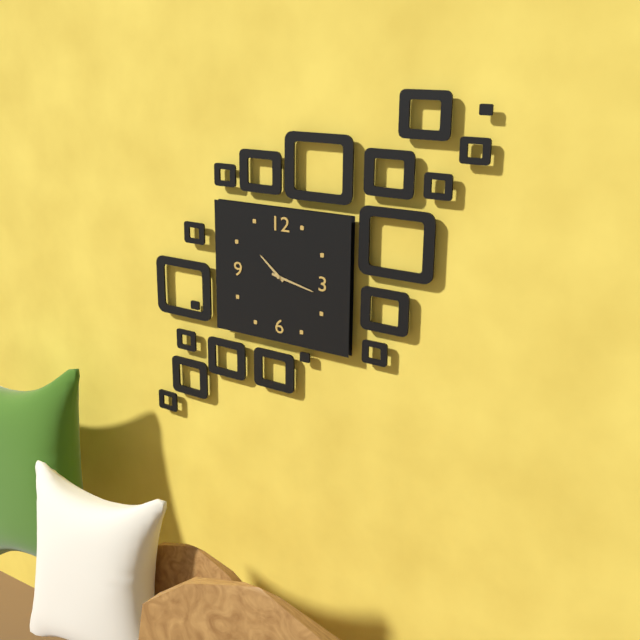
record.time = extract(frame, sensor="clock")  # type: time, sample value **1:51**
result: **10:17**
